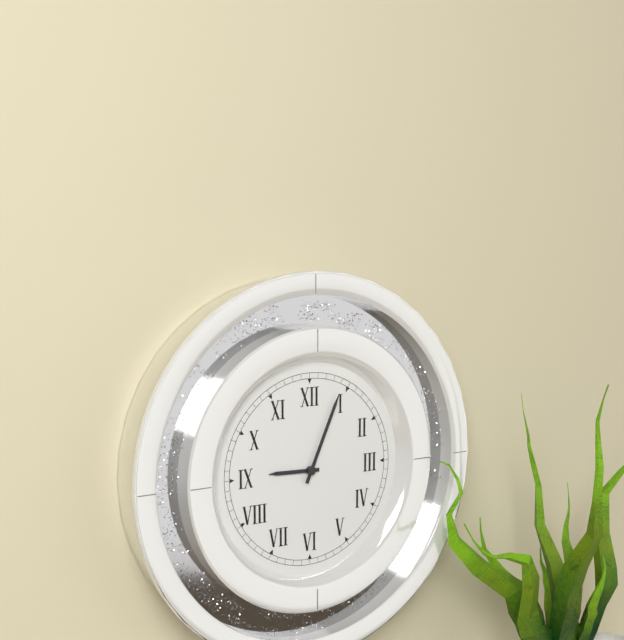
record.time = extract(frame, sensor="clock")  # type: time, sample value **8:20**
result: **9:04**
